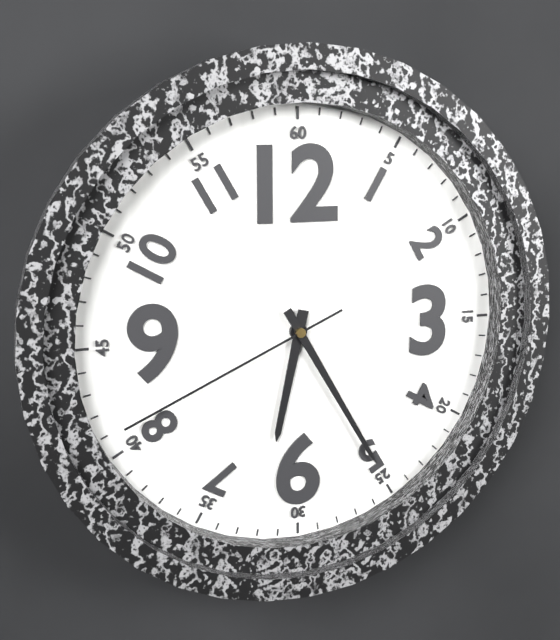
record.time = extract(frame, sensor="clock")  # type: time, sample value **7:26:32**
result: **6:25:41**
